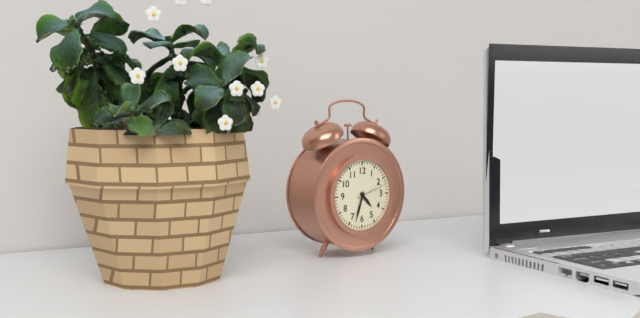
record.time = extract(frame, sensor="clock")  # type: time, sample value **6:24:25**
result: **4:33:12**
